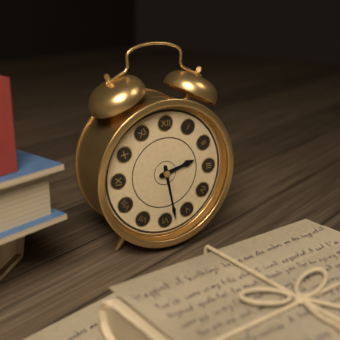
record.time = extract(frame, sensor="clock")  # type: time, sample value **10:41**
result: **2:28**
